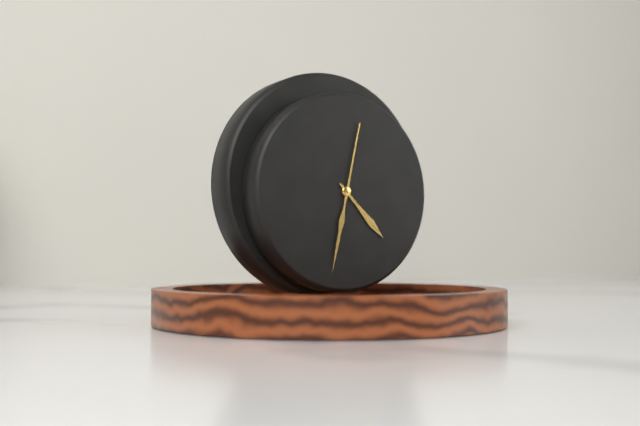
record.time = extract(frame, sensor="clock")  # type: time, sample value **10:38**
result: **4:32**
